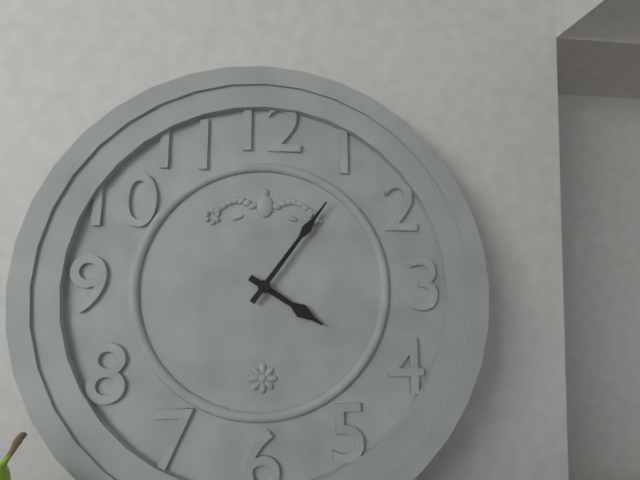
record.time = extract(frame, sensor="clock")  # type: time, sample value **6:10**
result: **4:06**
